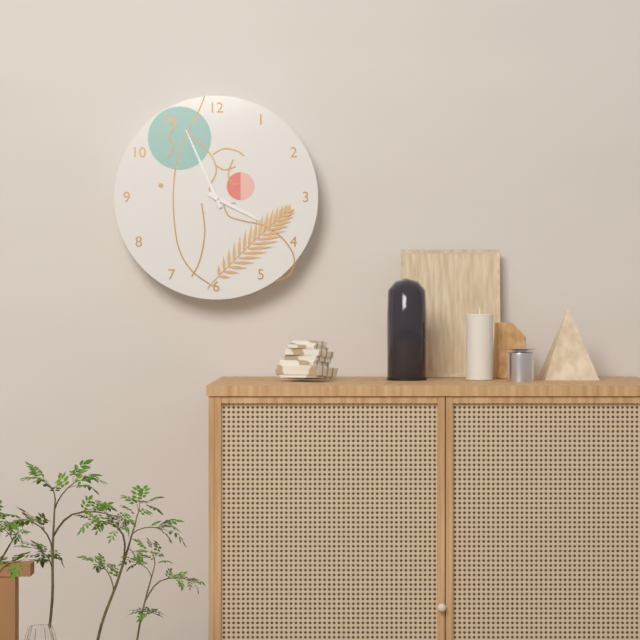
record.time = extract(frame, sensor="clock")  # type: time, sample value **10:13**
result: **3:56**
